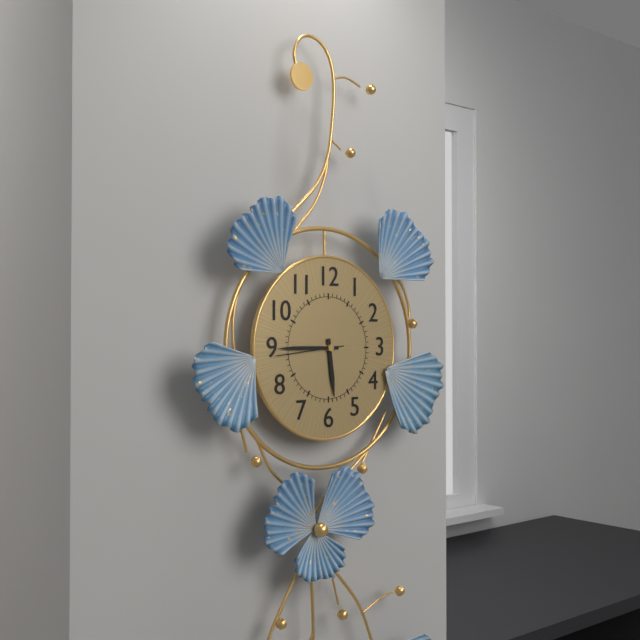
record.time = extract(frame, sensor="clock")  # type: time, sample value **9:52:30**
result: **5:45:44**
